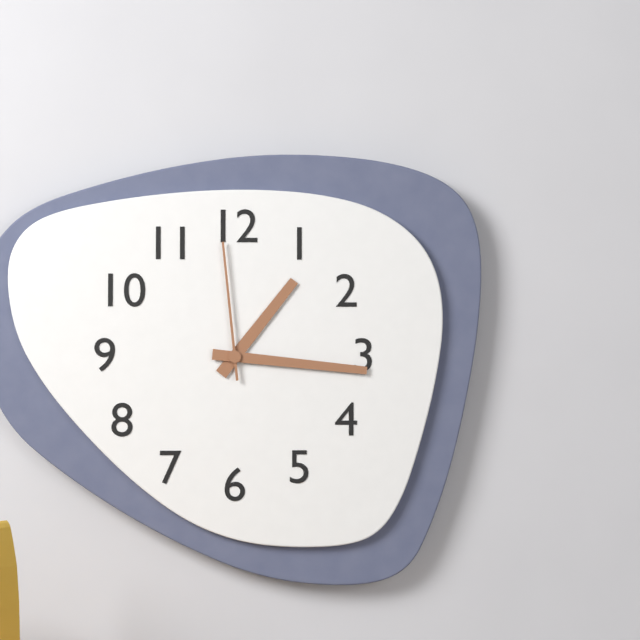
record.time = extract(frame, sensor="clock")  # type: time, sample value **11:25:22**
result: **1:16:59**
